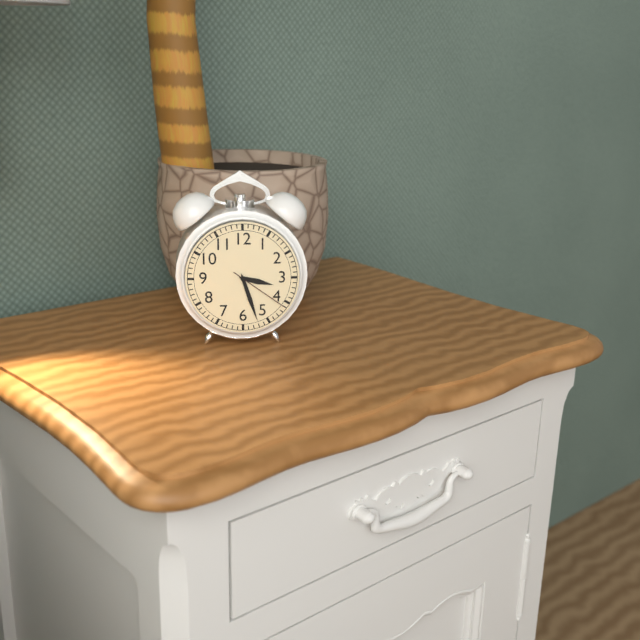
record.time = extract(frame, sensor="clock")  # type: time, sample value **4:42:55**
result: **3:27:21**
